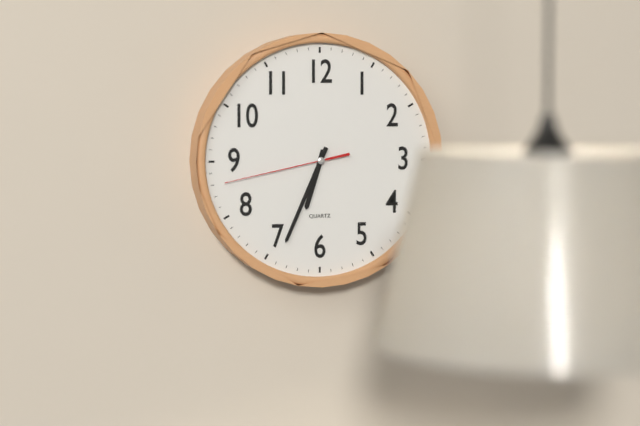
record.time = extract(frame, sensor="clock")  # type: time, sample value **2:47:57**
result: **6:34:43**
